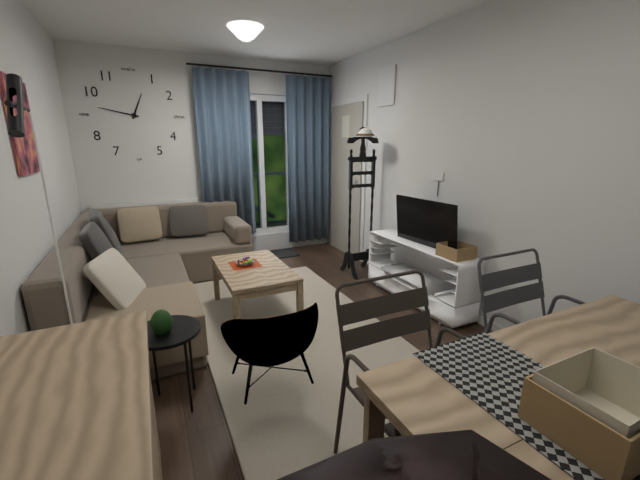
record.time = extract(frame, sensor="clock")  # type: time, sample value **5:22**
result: **12:47**
